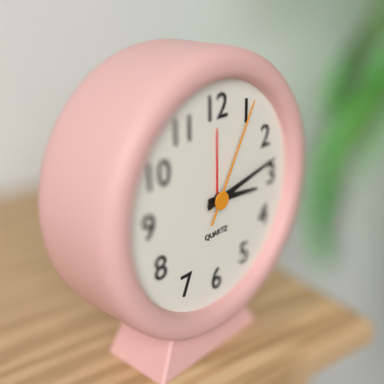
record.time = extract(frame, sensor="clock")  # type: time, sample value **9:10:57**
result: **3:13:05**
